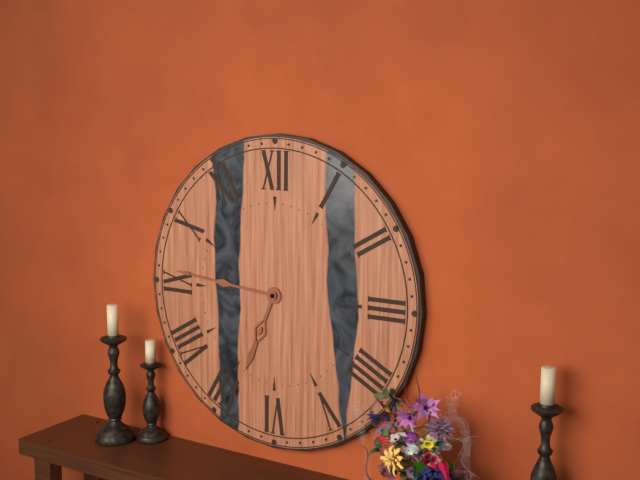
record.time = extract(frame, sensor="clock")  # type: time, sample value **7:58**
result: **6:46**
